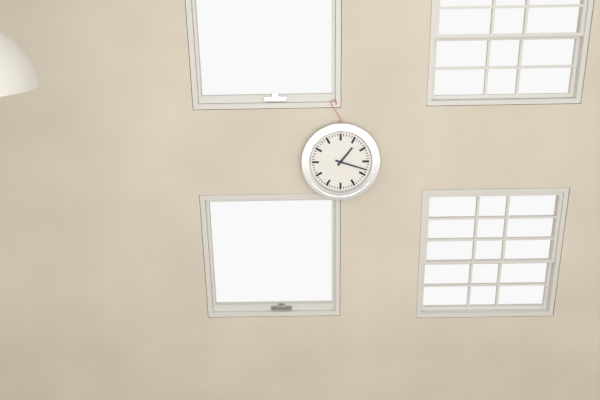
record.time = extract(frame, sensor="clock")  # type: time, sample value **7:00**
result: **1:18**
